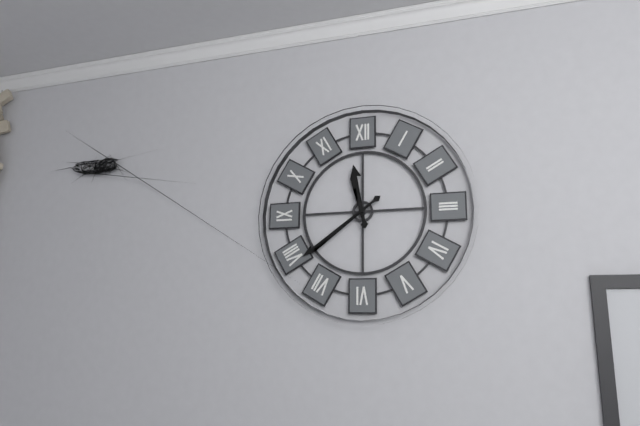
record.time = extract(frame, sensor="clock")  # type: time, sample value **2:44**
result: **11:39**
